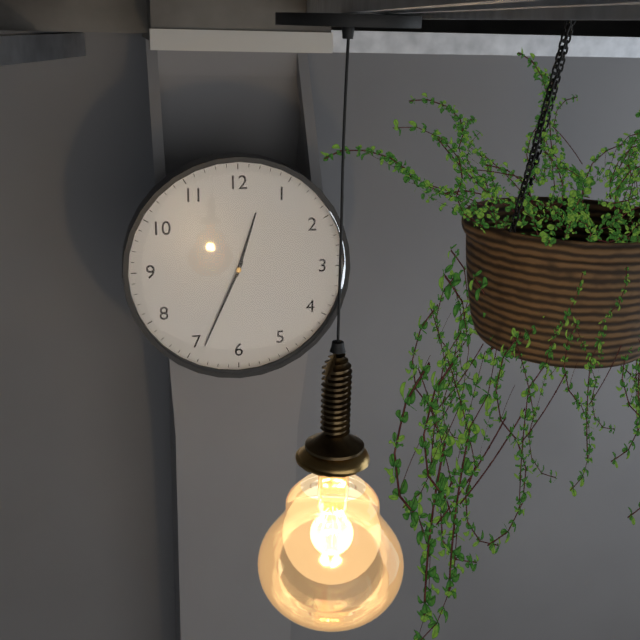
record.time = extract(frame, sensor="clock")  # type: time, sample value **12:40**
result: **12:34**
